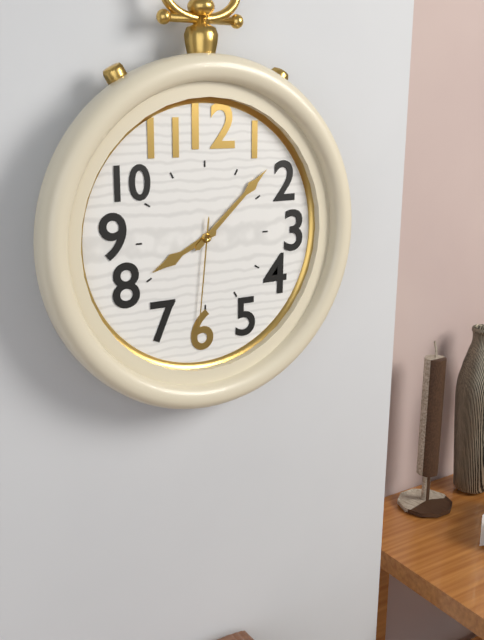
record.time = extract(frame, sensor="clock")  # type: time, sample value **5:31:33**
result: **8:08:31**
